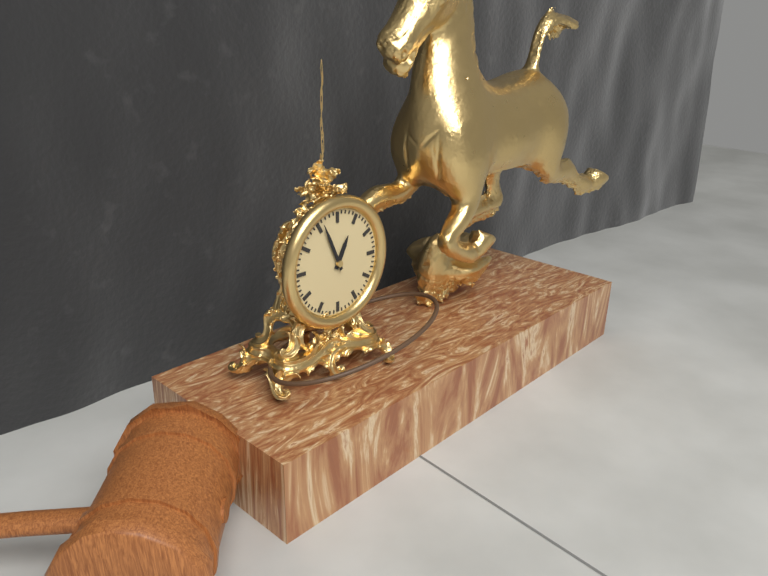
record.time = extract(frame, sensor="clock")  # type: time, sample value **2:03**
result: **12:56**
